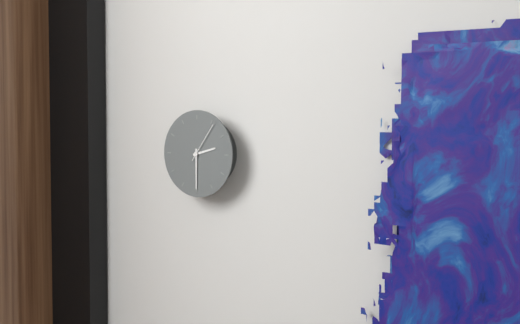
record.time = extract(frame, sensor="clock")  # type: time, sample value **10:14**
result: **2:30**
